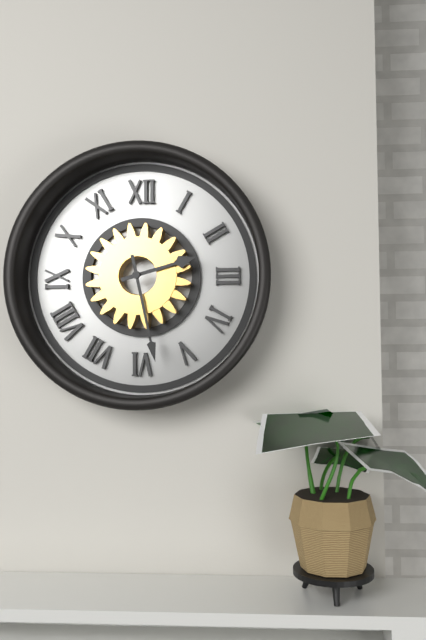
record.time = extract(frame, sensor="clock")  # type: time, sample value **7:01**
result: **2:28**
